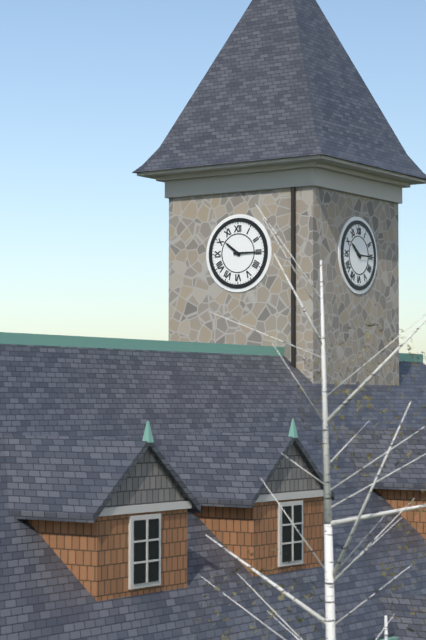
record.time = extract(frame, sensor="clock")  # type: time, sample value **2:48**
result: **10:15**
